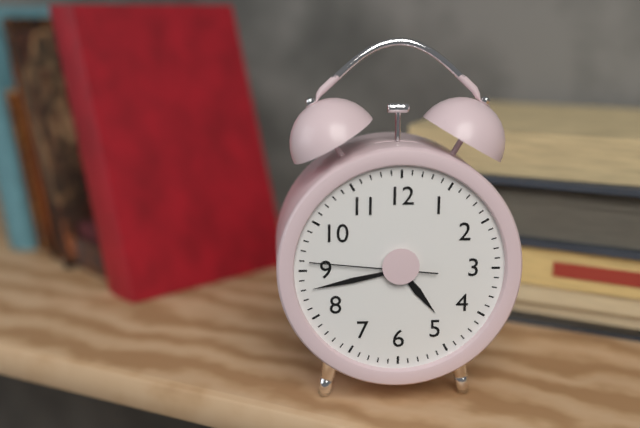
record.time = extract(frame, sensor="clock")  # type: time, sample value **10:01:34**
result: **4:43:46**
